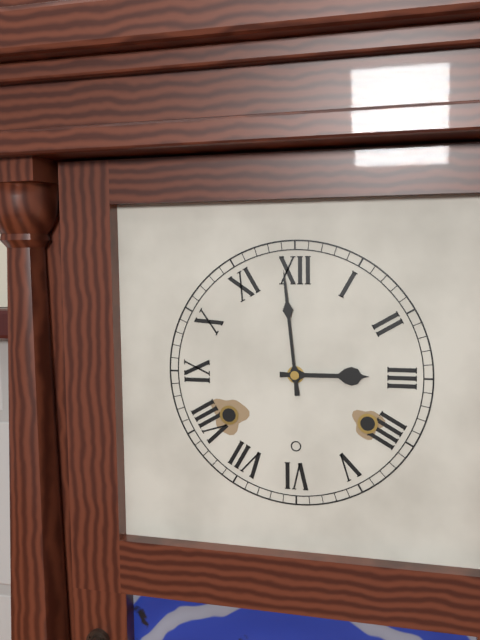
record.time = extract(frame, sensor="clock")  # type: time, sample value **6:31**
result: **2:59**
